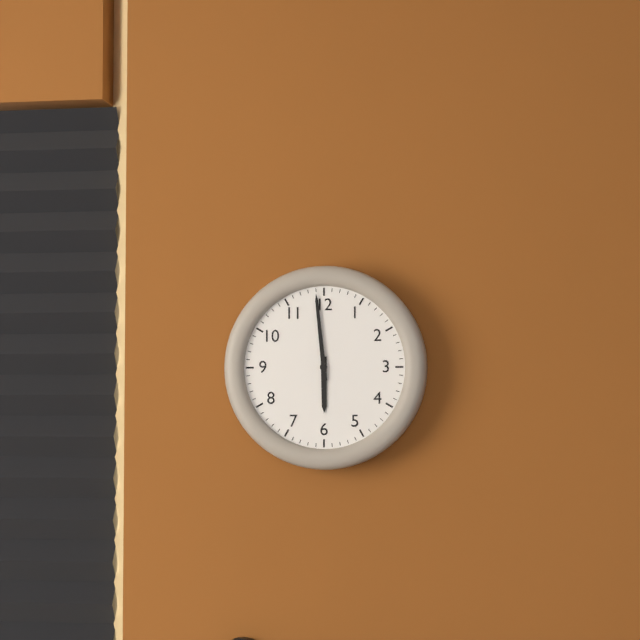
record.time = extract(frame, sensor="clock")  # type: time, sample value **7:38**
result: **5:59**
